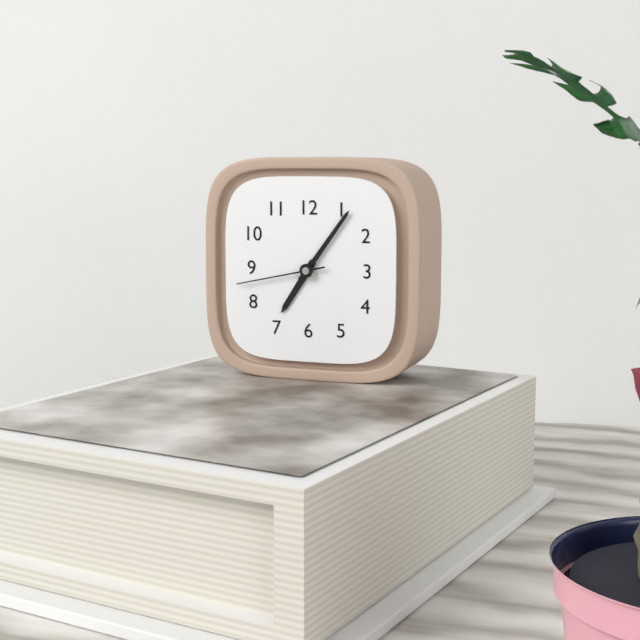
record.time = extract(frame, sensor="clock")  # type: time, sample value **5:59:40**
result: **7:06:43**
